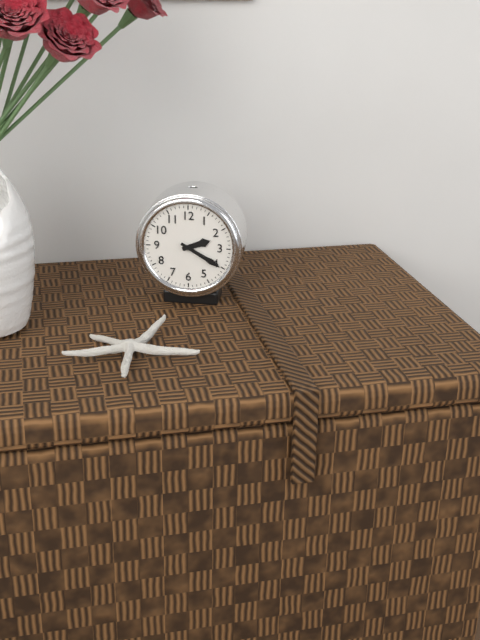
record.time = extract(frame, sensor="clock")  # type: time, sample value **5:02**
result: **2:20**
